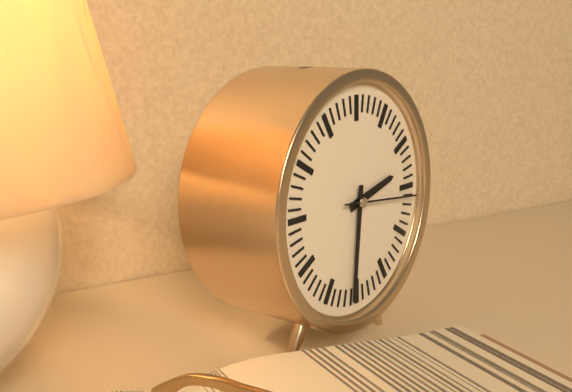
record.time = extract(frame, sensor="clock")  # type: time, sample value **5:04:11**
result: **2:31:16**
